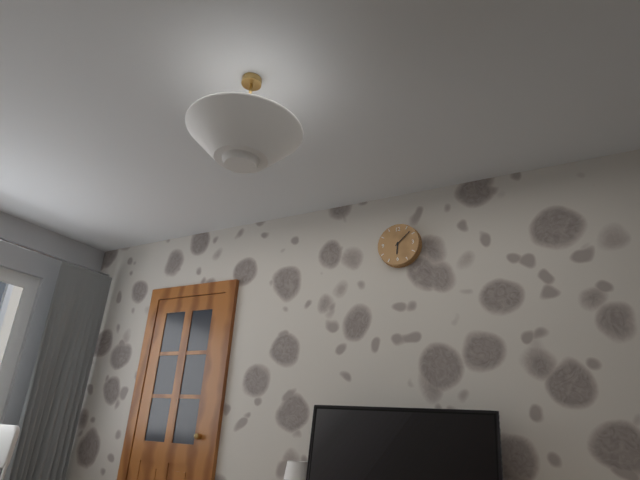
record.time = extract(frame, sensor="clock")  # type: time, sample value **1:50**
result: **6:08**
